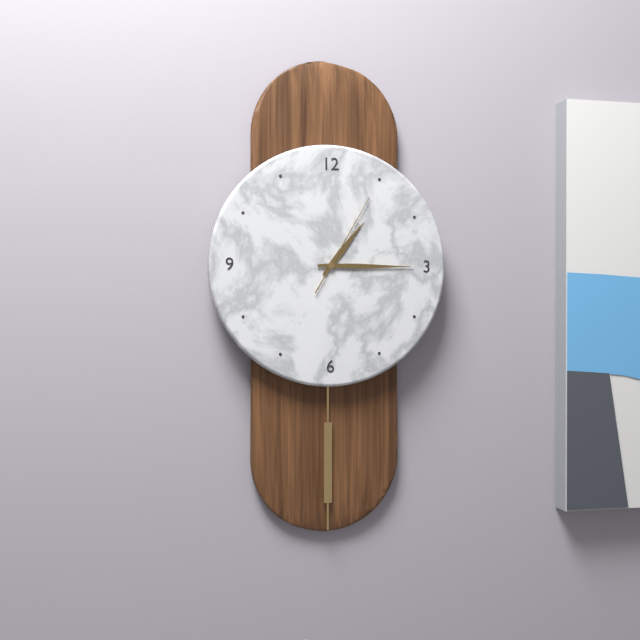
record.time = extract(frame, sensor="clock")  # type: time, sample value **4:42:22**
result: **1:15:05**
